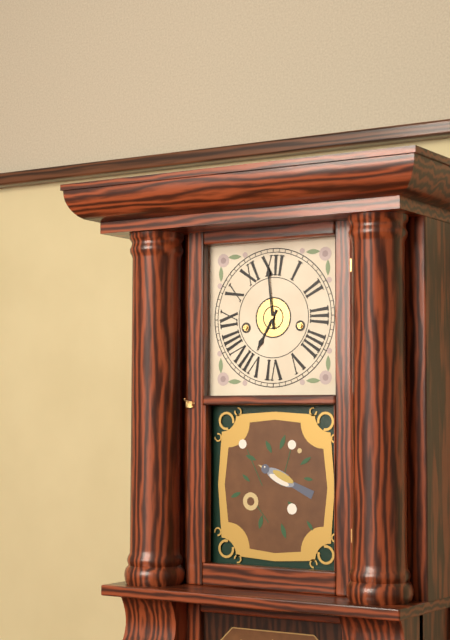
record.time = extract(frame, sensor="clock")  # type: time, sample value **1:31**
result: **6:59**
